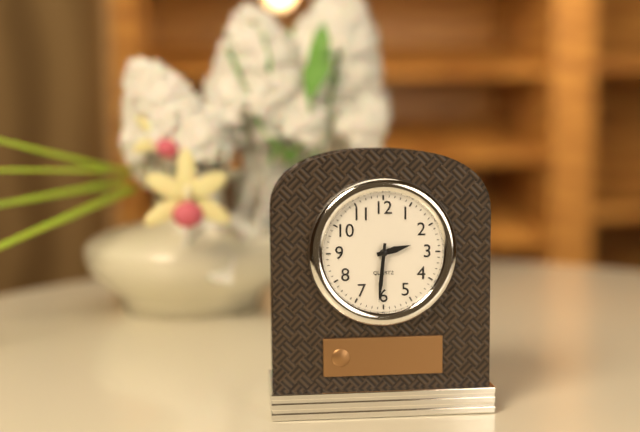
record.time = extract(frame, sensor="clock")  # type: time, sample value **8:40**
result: **2:31**
